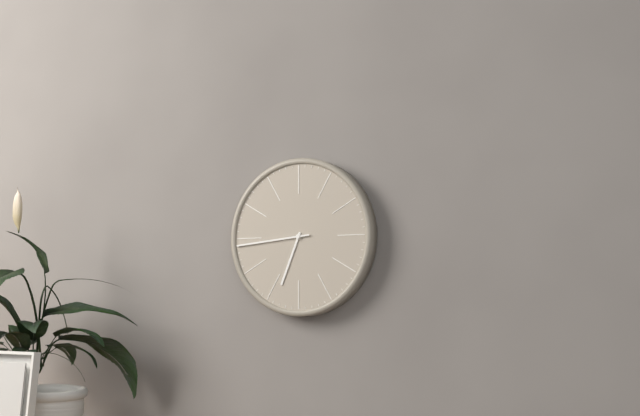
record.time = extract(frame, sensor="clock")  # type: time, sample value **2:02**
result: **6:44**
